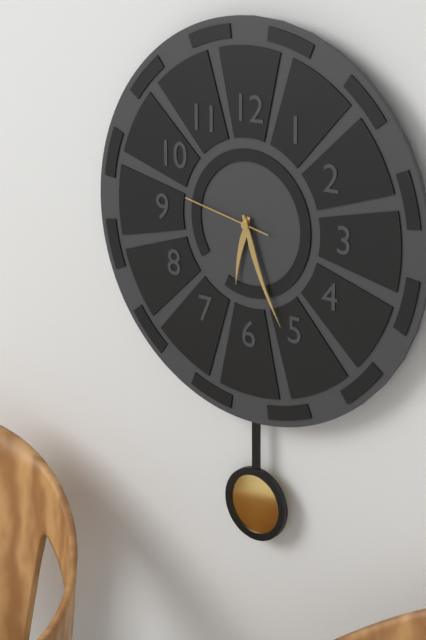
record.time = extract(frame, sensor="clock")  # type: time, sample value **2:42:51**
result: **6:26:47**
